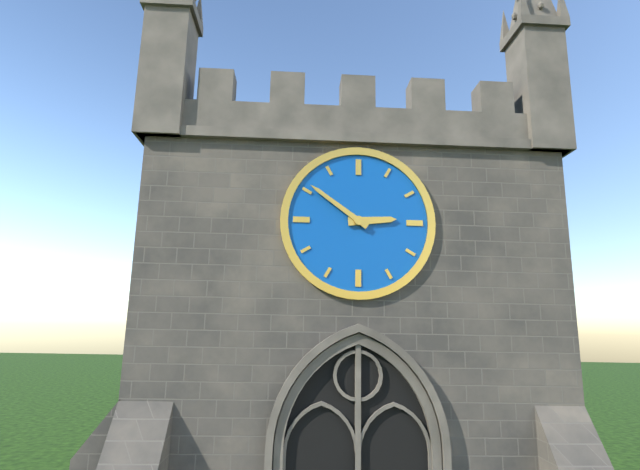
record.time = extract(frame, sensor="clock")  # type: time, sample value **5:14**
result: **2:51**
